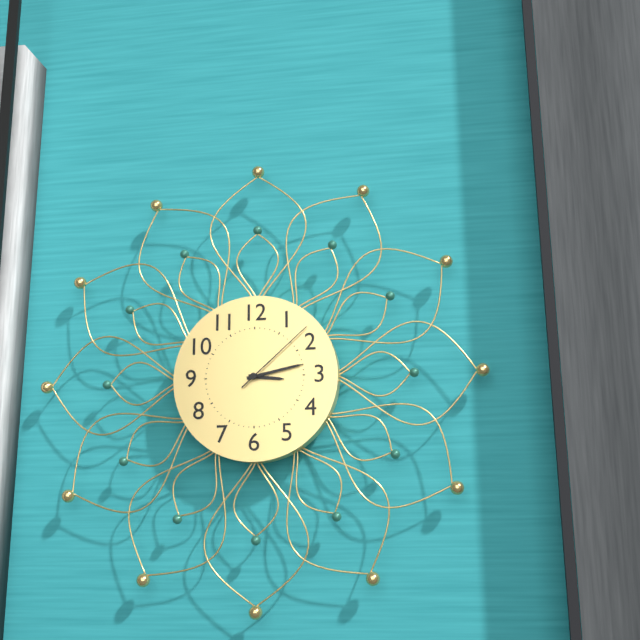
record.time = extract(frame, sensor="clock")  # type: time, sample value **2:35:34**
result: **3:13:08**
